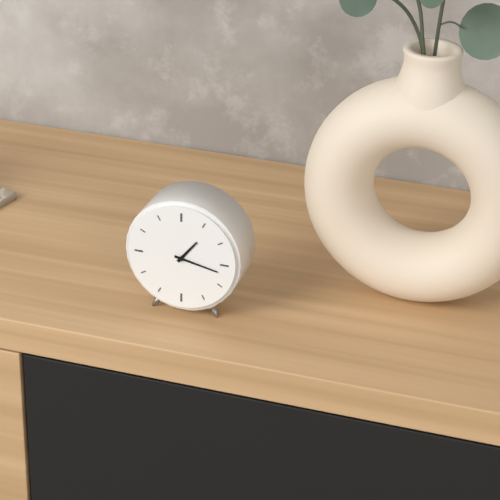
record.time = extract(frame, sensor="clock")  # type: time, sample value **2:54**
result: **1:17**
